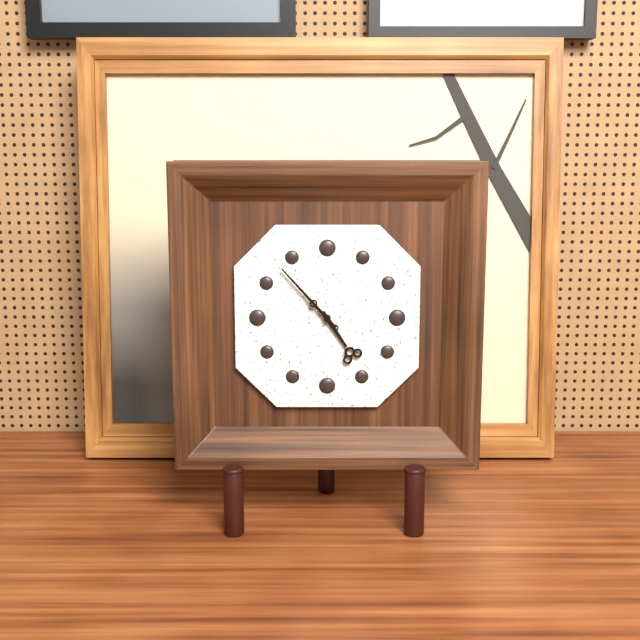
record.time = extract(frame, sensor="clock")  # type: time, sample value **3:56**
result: **4:53**
